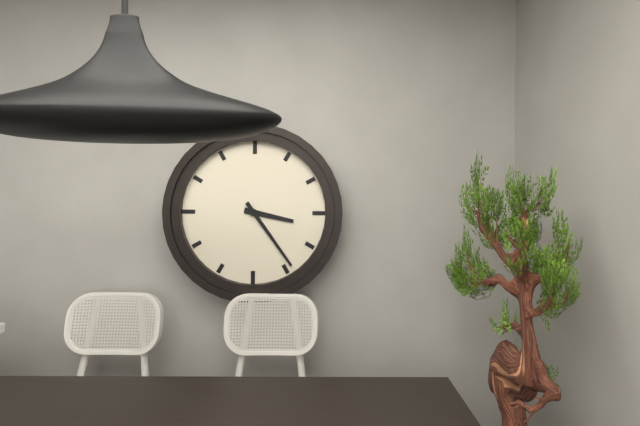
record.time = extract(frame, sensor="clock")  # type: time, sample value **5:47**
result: **3:24**
